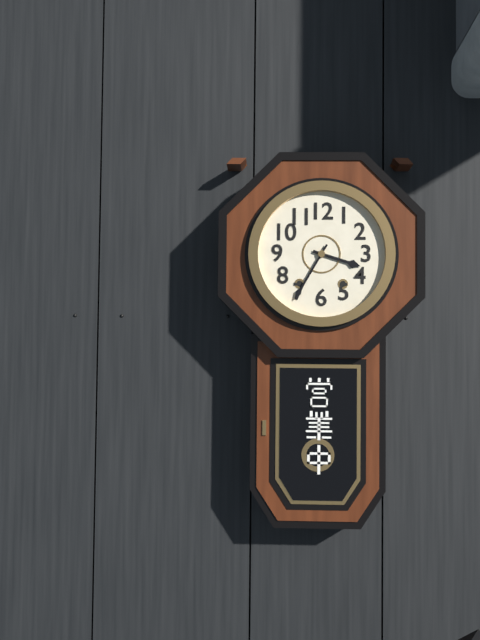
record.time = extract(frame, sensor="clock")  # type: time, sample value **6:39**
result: **3:35**
